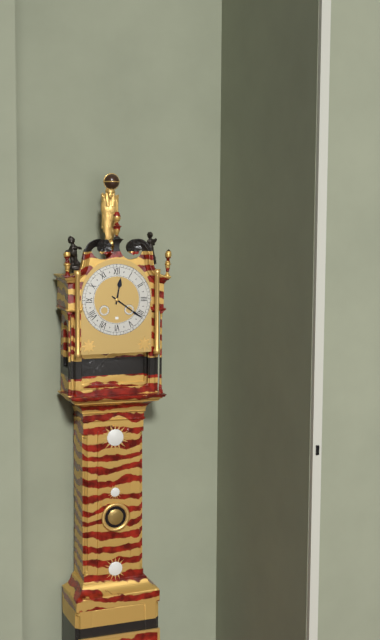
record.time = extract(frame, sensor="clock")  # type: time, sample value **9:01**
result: **12:21**
